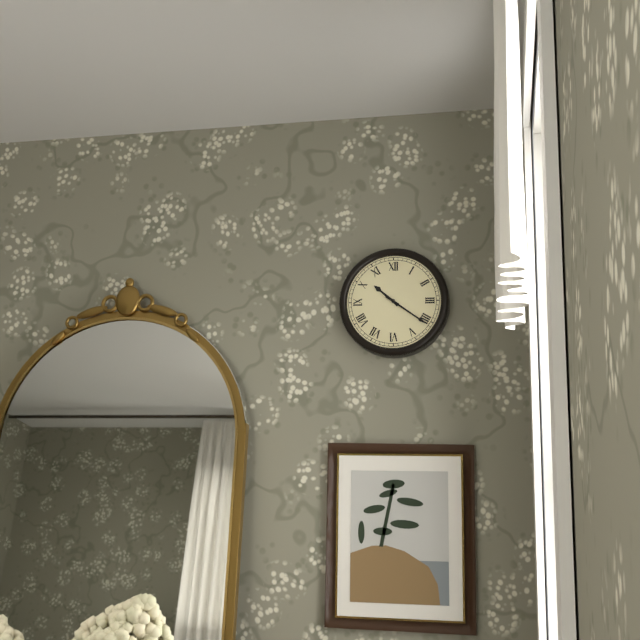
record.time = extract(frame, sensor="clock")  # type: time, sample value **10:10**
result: **10:21**
